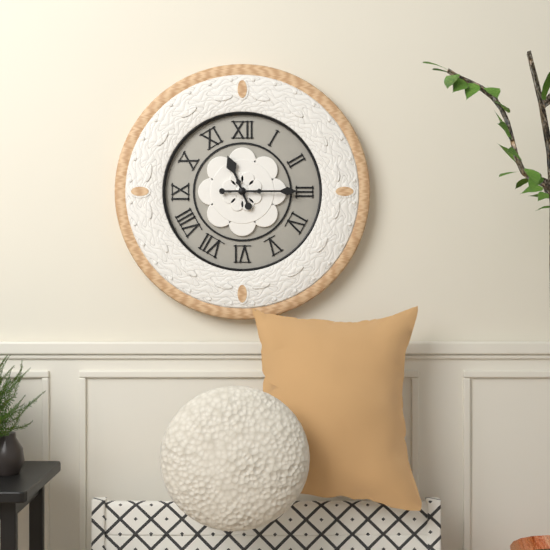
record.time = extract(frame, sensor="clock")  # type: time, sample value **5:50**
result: **11:15**
